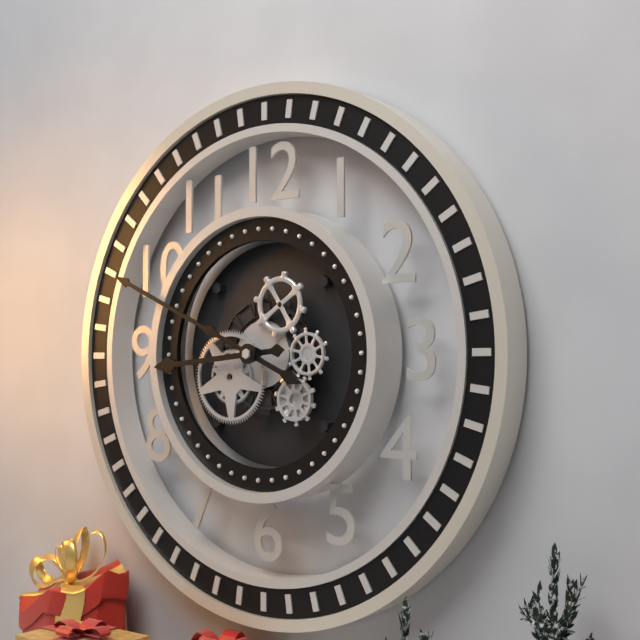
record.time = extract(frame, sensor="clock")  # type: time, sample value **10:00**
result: **8:49**
